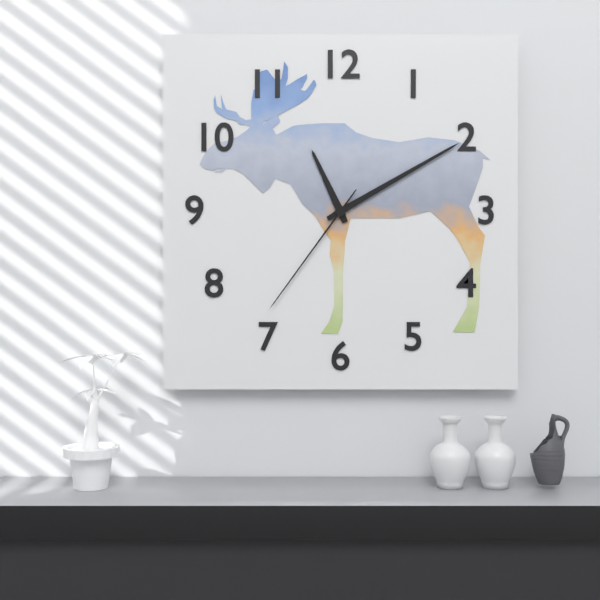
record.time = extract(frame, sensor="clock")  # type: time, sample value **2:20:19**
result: **11:10:36**
